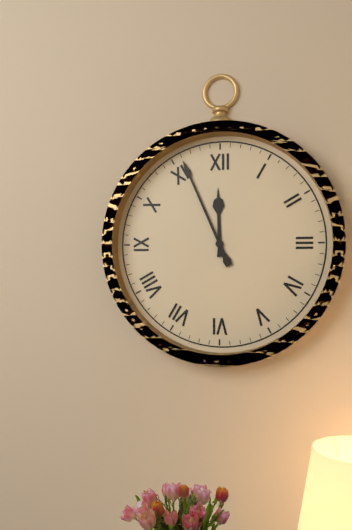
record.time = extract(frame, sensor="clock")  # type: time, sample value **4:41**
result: **11:56**
